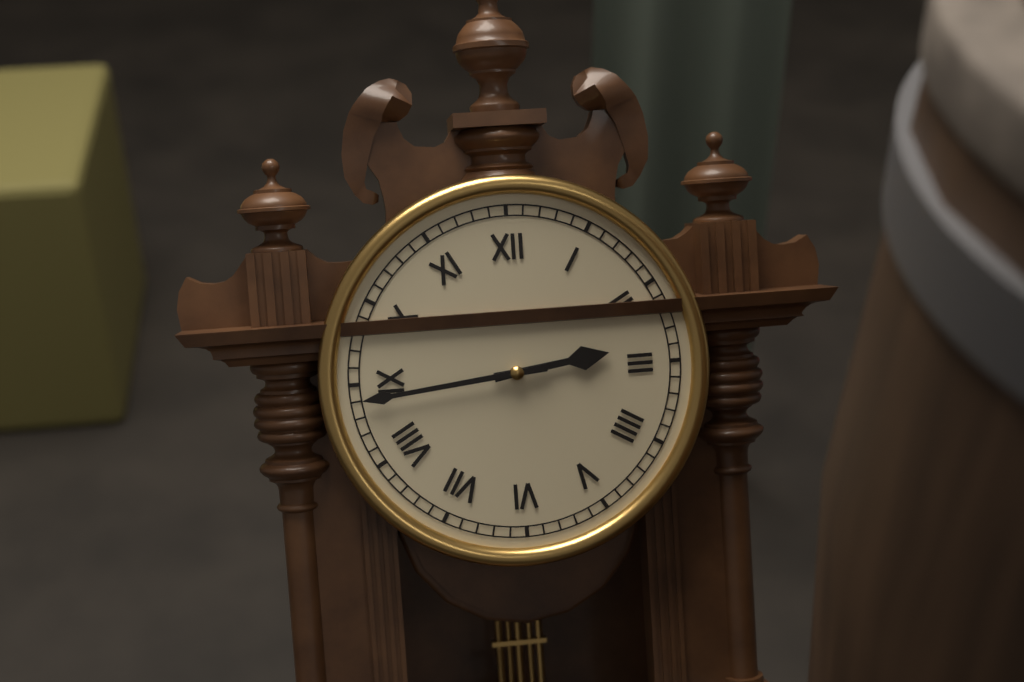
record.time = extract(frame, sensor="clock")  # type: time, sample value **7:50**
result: **2:44**
